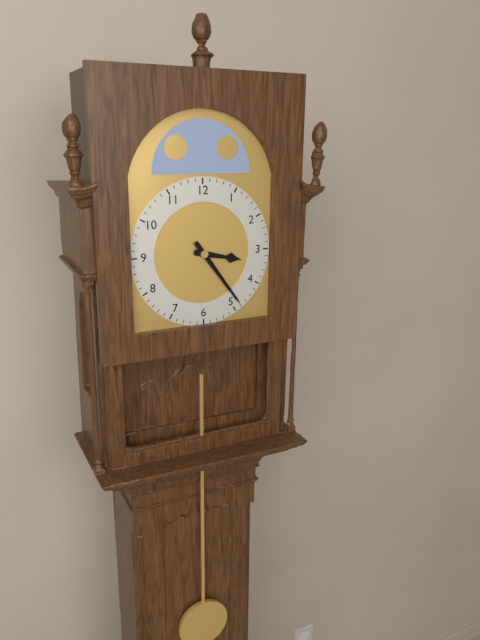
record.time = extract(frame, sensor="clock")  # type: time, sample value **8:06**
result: **3:24**
